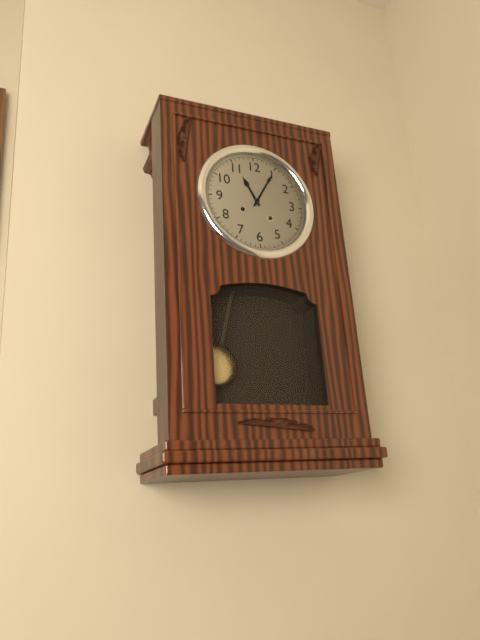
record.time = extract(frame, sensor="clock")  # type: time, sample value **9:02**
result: **11:05**
